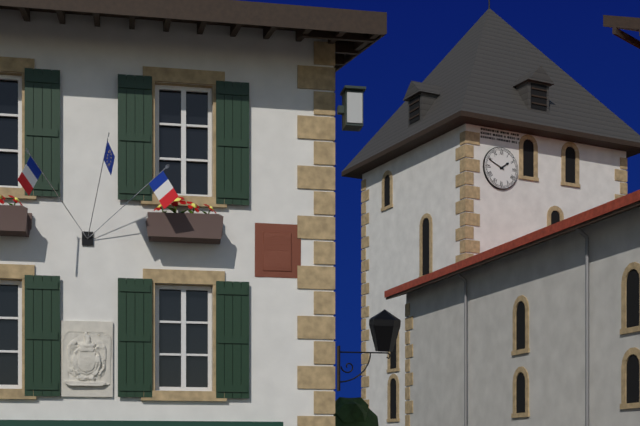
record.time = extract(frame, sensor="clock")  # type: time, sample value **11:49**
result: **1:49**
